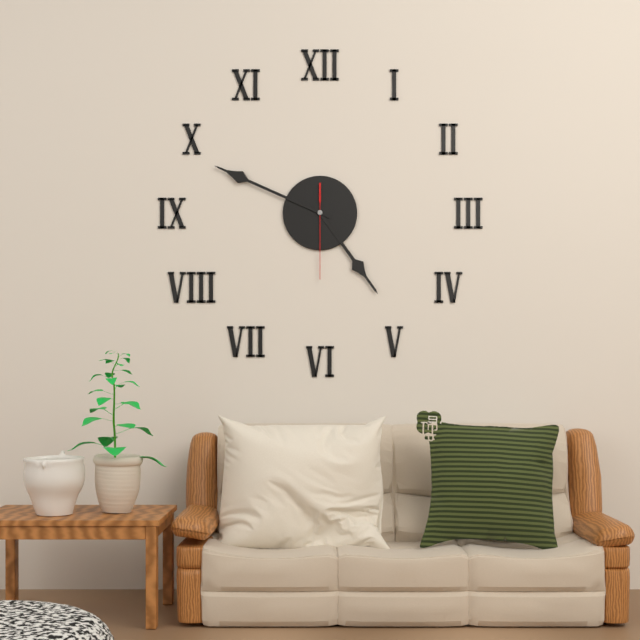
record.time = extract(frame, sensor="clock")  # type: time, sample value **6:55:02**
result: **4:49:30**
